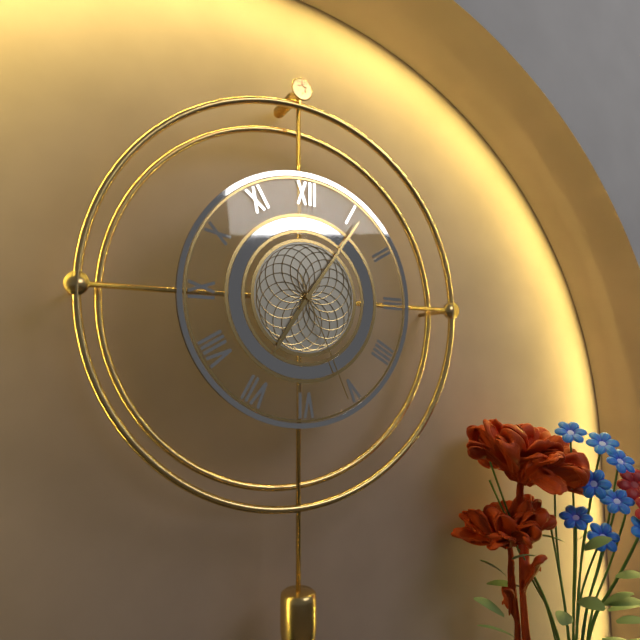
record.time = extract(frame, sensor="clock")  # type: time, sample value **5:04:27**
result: **7:06:26**
